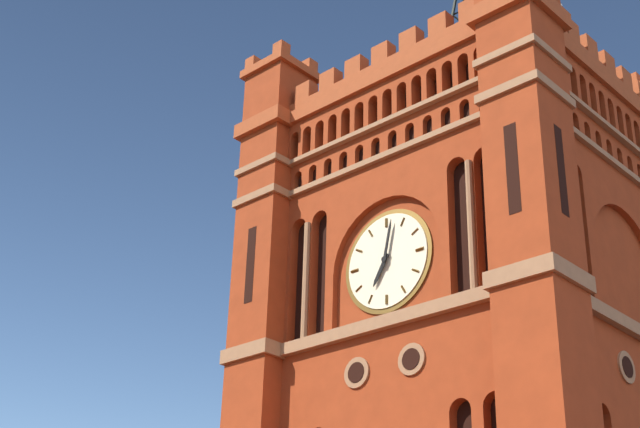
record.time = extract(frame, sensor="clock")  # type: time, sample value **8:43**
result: **7:02**
